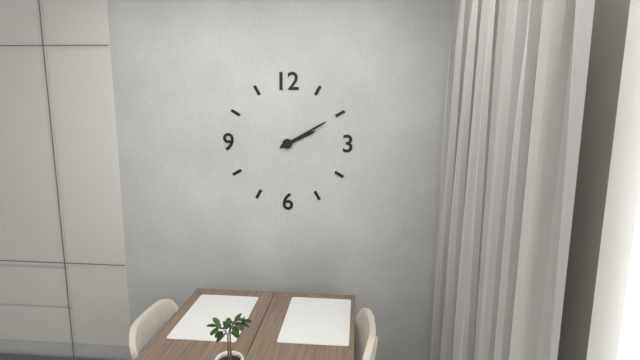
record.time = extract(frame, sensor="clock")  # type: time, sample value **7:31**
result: **2:10**
